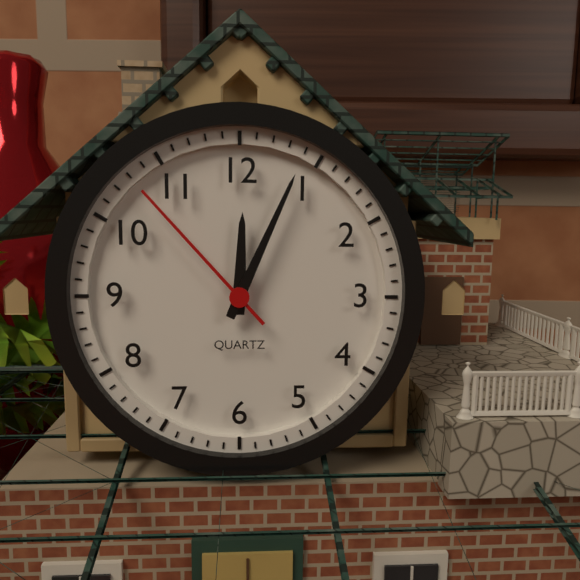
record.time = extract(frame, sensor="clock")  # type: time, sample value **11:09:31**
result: **12:04:53**
